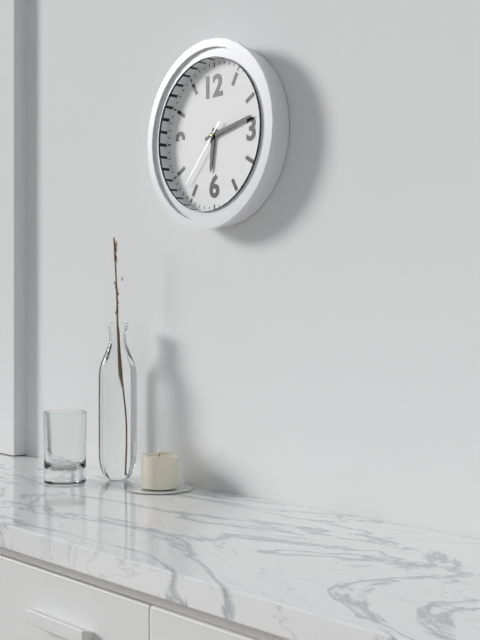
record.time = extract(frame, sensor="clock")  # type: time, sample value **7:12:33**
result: **6:13:37**
